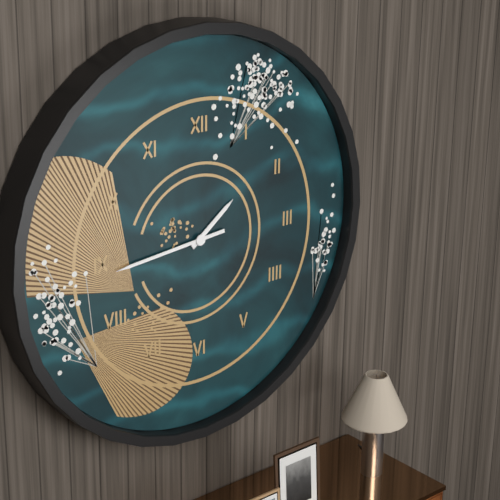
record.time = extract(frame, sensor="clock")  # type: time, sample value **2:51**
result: **1:44**
